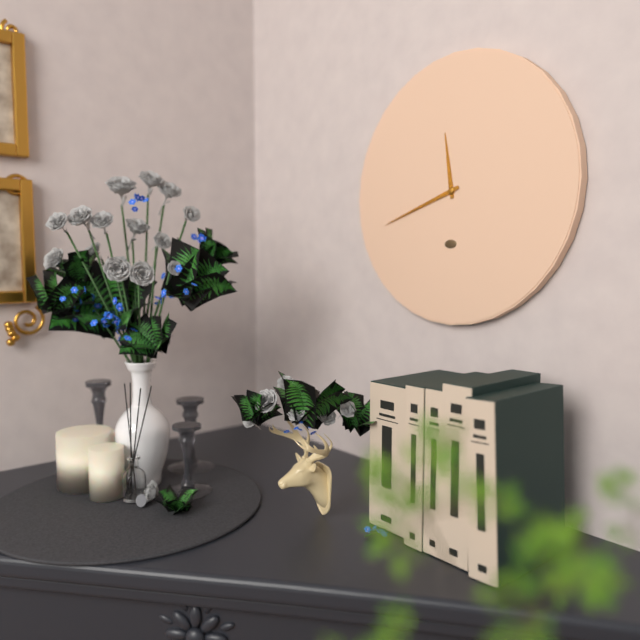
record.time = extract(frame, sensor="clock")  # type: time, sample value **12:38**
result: **11:42**
